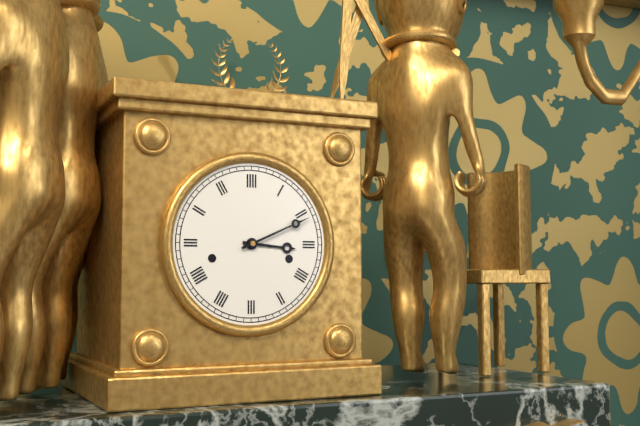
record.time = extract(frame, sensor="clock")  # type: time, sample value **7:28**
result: **3:11**
